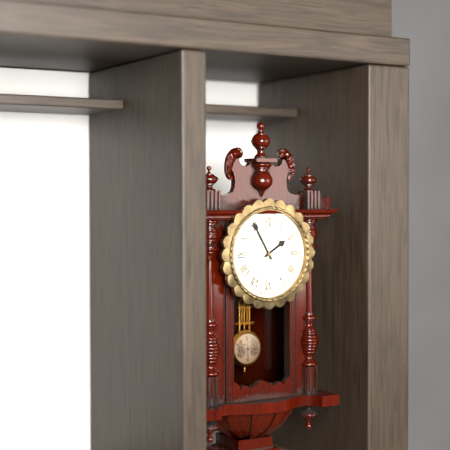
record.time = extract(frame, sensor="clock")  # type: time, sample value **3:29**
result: **1:55**
